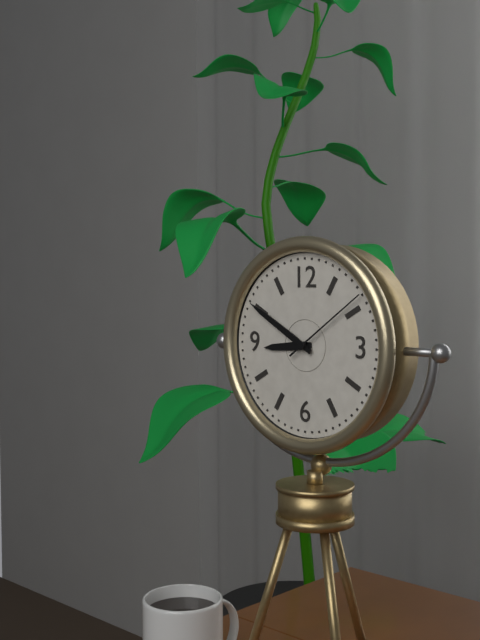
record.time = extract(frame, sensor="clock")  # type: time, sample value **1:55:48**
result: **8:50:09**
